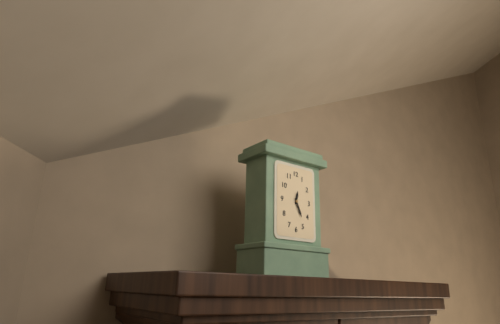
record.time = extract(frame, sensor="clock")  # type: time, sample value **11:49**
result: **12:26**
